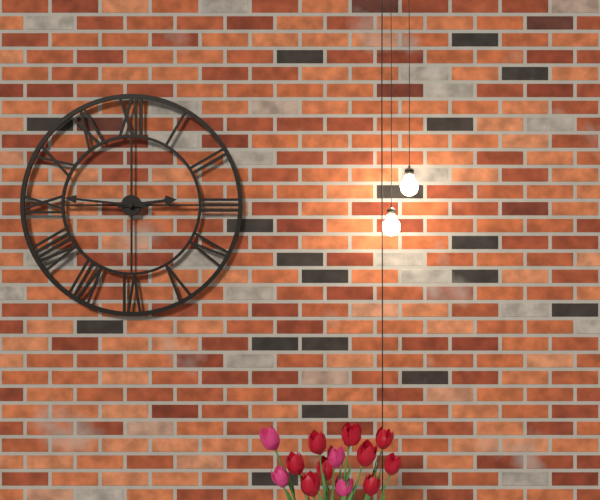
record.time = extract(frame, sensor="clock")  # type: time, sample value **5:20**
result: **2:46**
